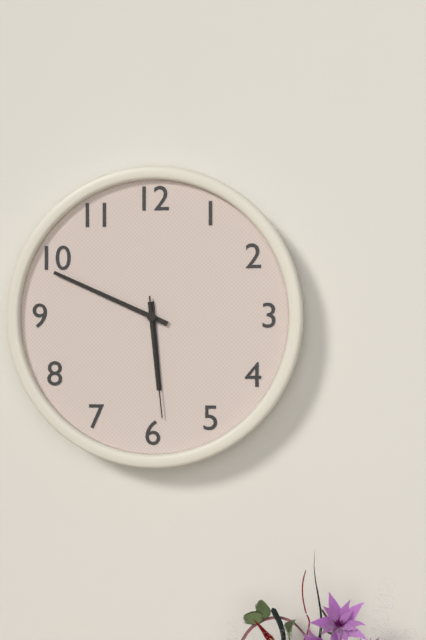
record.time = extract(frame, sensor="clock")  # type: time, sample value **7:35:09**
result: **5:49:29**
